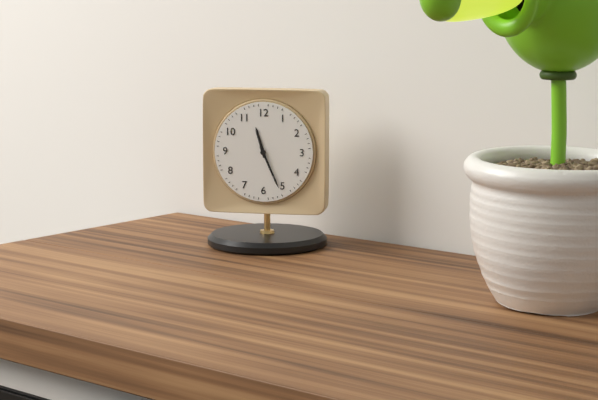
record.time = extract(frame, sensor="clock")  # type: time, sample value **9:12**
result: **11:26**
